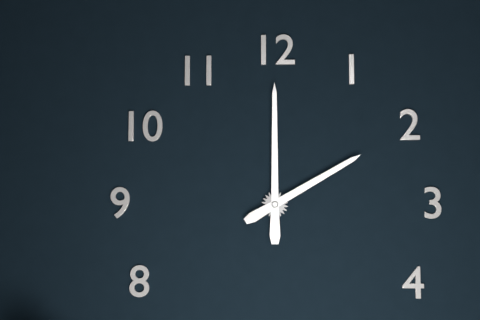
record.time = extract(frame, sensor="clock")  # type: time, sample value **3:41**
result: **2:00**
